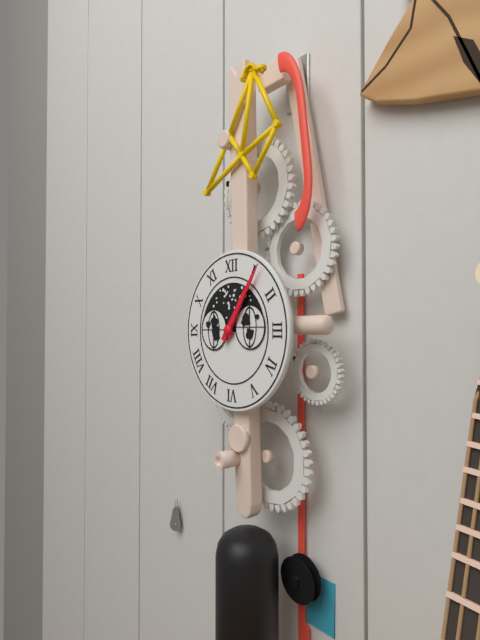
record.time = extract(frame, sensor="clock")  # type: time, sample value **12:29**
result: **1:06**
